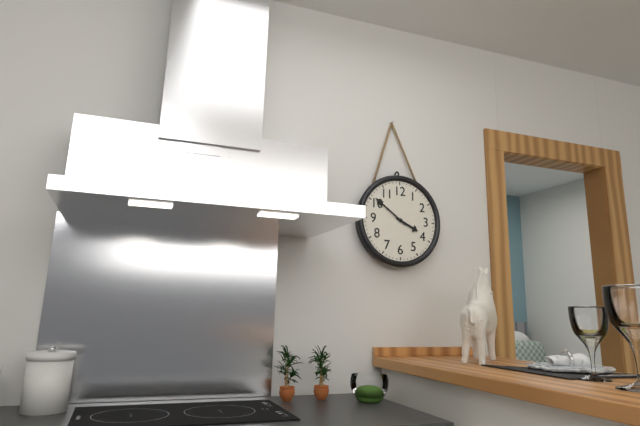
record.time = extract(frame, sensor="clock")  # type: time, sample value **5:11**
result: **3:51**
